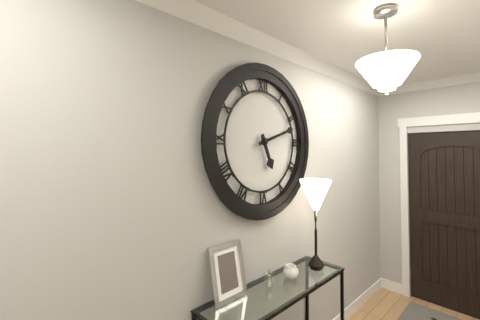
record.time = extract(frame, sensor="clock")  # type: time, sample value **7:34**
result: **5:12**
